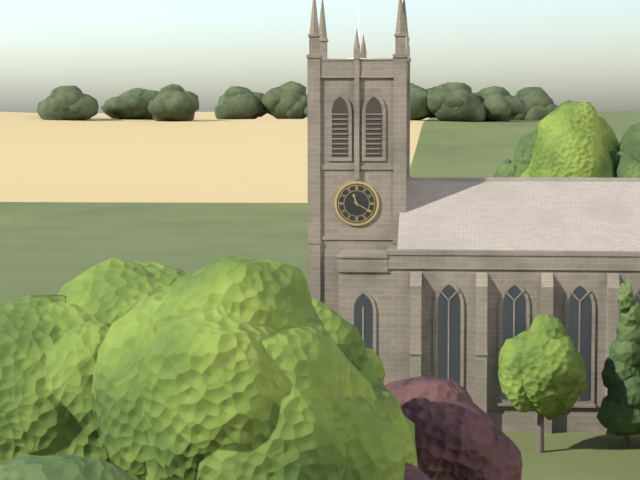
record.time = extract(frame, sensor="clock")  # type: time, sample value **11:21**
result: **11:20**
